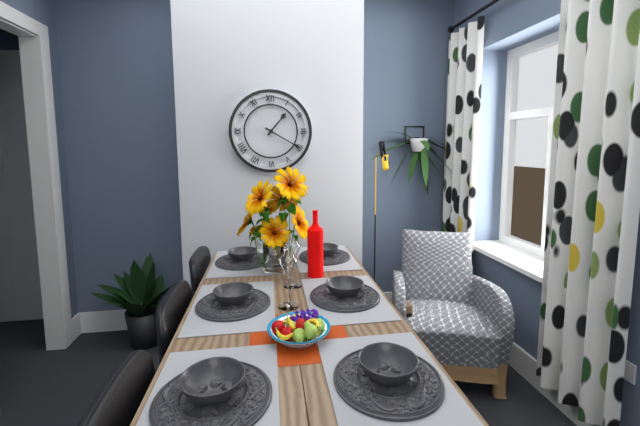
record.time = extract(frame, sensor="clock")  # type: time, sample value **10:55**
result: **1:20**
